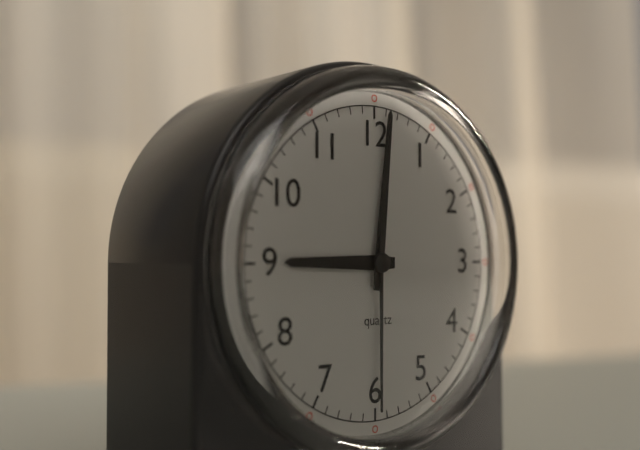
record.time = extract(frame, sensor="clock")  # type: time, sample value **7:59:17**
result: **9:01:30**
